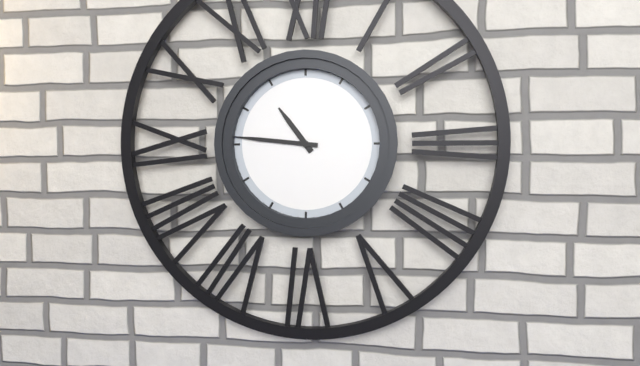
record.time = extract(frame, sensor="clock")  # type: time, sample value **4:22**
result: **10:46**
